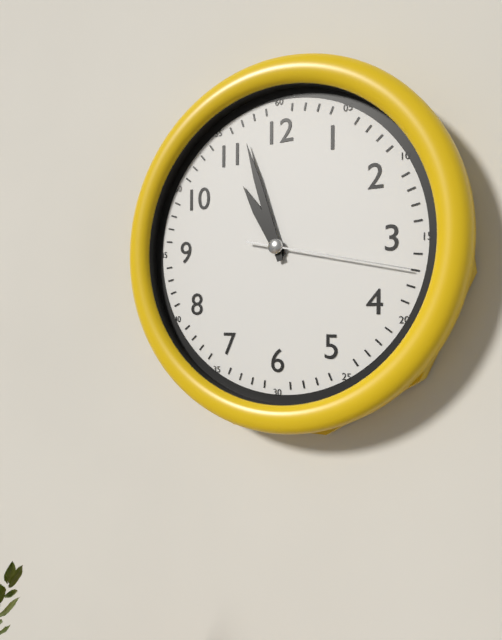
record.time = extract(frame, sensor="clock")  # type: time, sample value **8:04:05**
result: **10:57:17**
